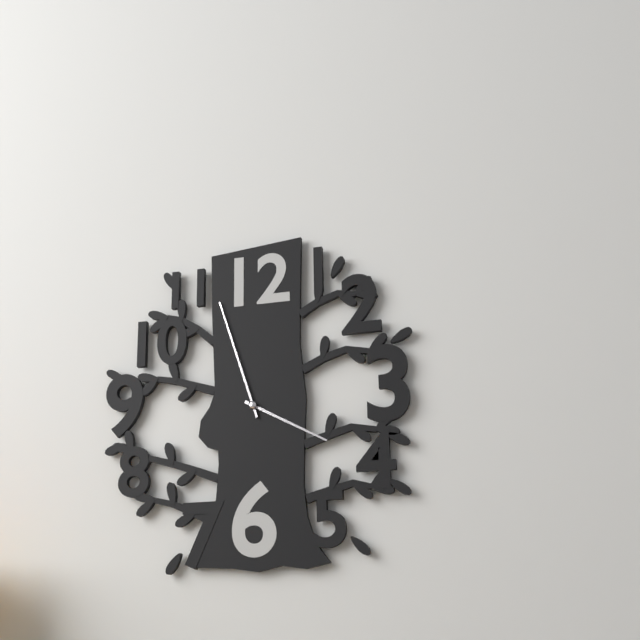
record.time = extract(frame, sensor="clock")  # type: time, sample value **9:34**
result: **3:57**
